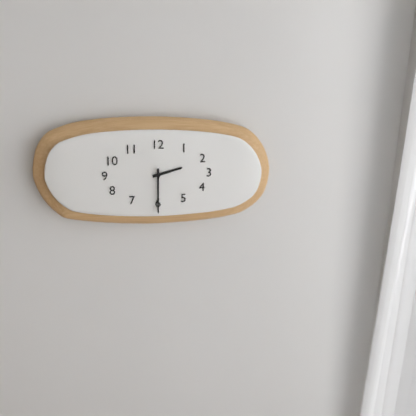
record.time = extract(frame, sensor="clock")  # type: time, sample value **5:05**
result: **2:30**
